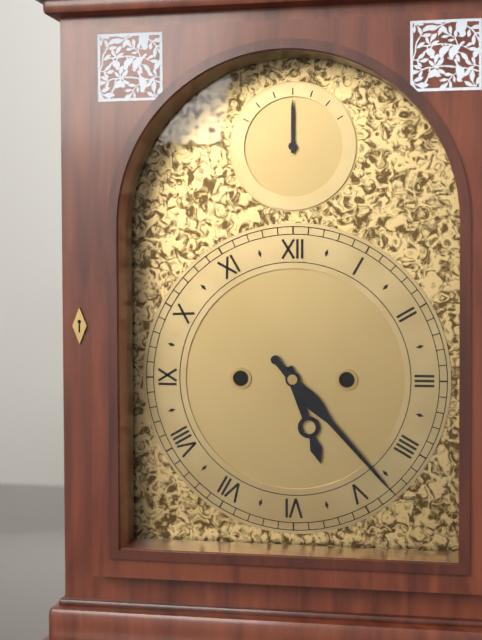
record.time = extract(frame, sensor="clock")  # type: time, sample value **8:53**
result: **5:23**
